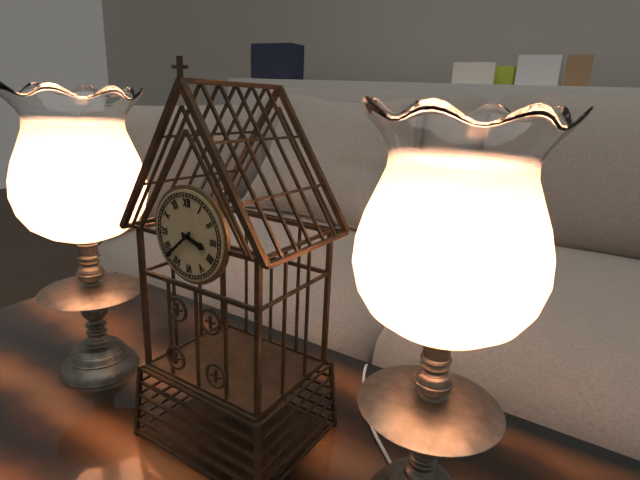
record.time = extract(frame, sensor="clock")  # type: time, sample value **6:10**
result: **3:38**
